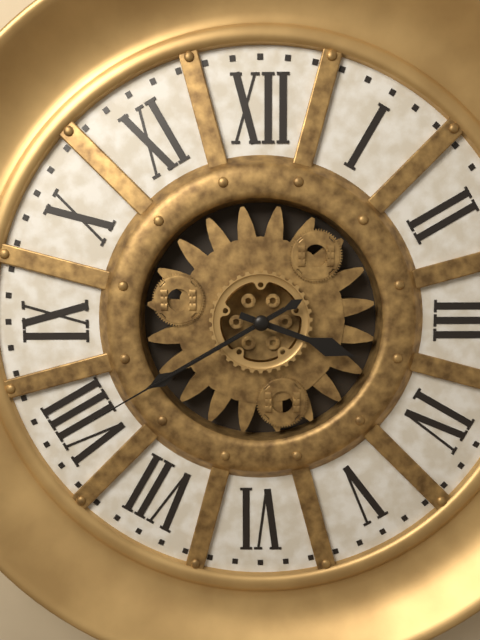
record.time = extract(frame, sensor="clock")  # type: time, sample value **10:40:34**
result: **3:40:40**
